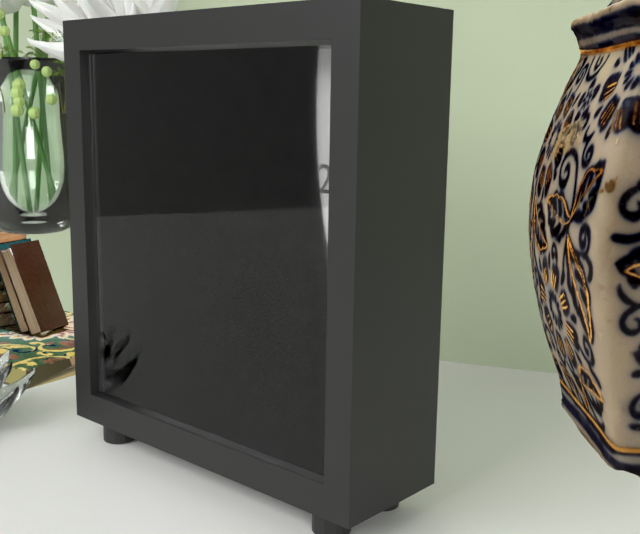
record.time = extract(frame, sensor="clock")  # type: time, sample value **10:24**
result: **9:31**
